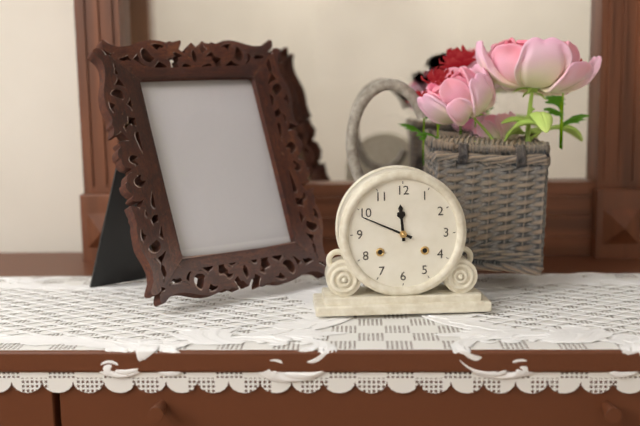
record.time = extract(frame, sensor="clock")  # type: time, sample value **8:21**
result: **11:49**
